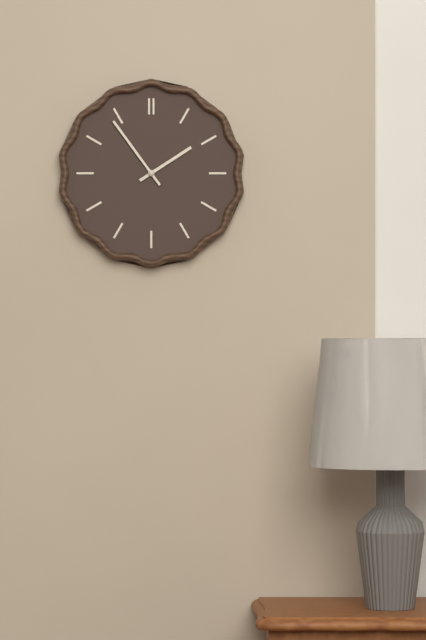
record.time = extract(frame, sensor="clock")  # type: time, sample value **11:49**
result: **1:54**
